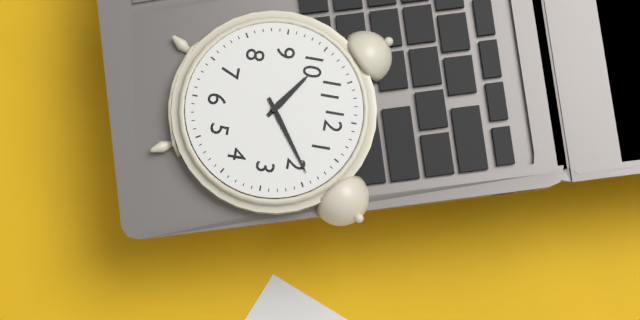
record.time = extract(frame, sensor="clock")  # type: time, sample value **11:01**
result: **10:09**
